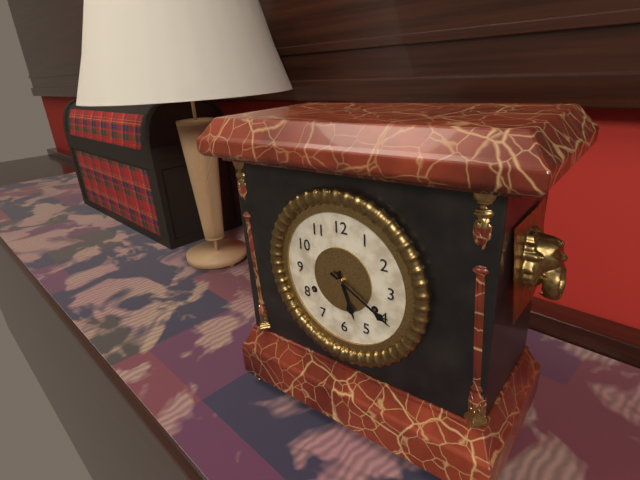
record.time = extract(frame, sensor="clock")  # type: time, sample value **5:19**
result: **5:20**
